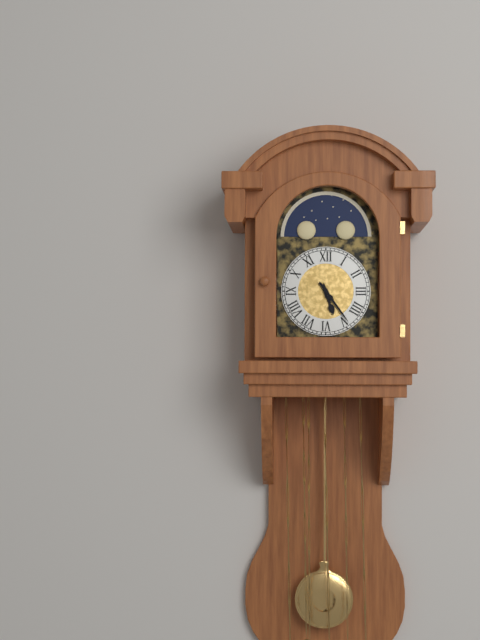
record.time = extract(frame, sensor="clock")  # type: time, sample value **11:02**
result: **5:24**
